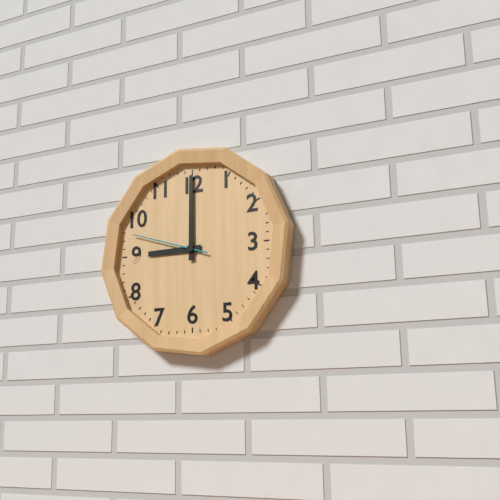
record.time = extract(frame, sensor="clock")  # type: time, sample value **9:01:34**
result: **9:00:48**
